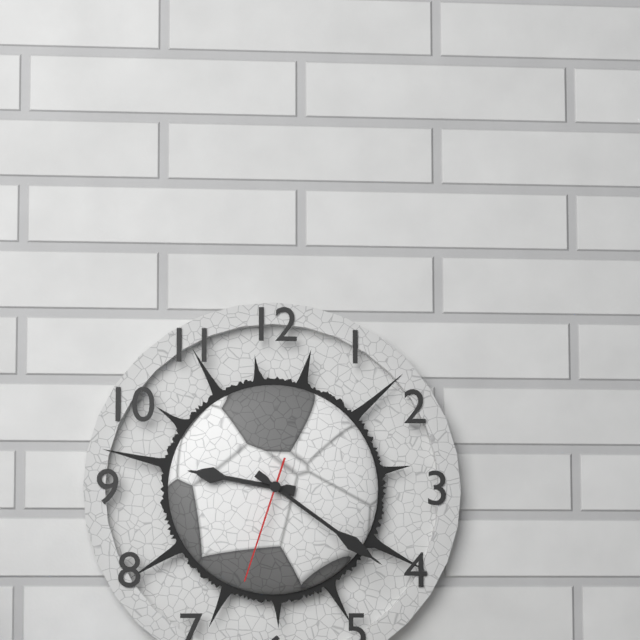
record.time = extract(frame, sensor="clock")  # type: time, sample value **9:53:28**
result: **9:21:33**
